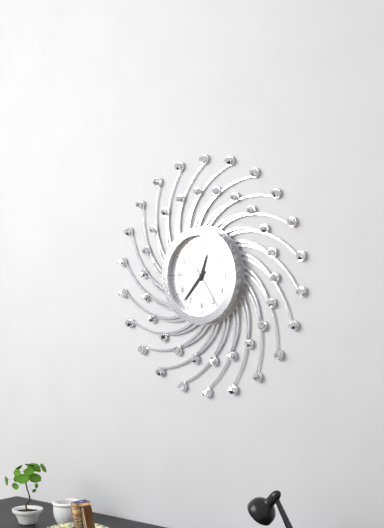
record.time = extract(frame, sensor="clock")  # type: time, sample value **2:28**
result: **12:37**
